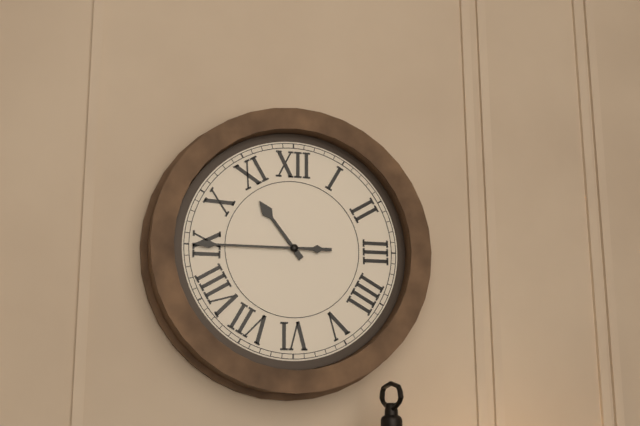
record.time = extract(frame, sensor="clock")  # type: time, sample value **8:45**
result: **10:45**
